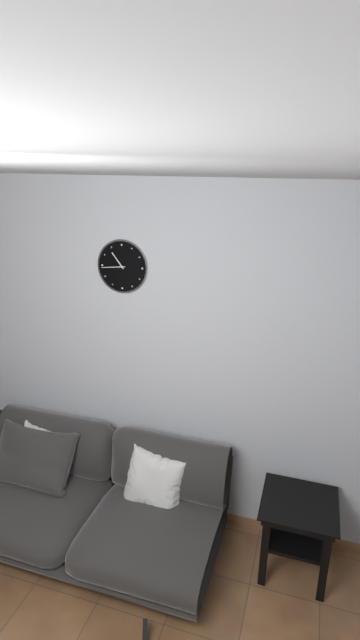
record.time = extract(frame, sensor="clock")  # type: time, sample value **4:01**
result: **10:44**
